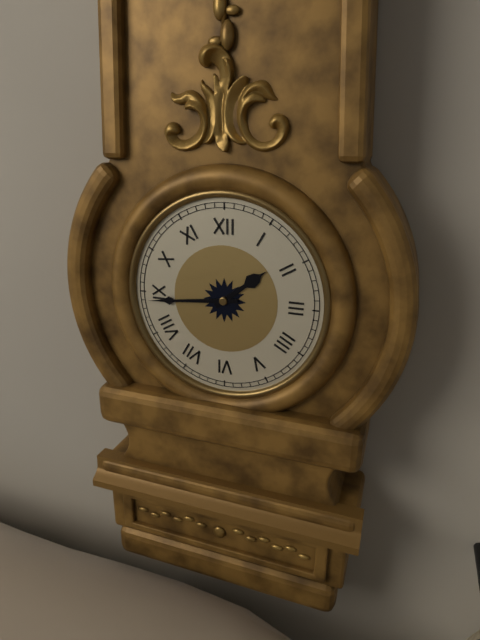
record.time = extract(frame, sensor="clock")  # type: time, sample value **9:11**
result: **1:44**
